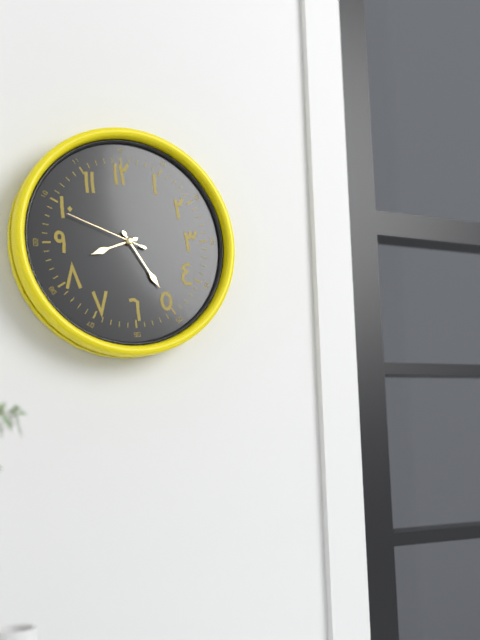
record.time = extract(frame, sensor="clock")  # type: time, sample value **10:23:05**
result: **8:25:49**
